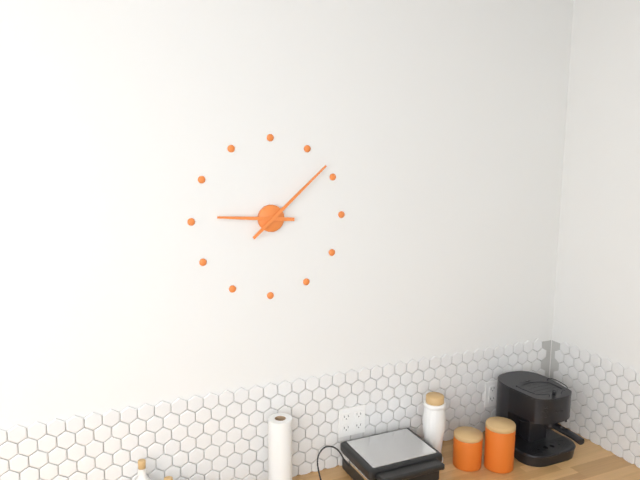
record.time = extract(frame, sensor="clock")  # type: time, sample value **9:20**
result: **9:08**
